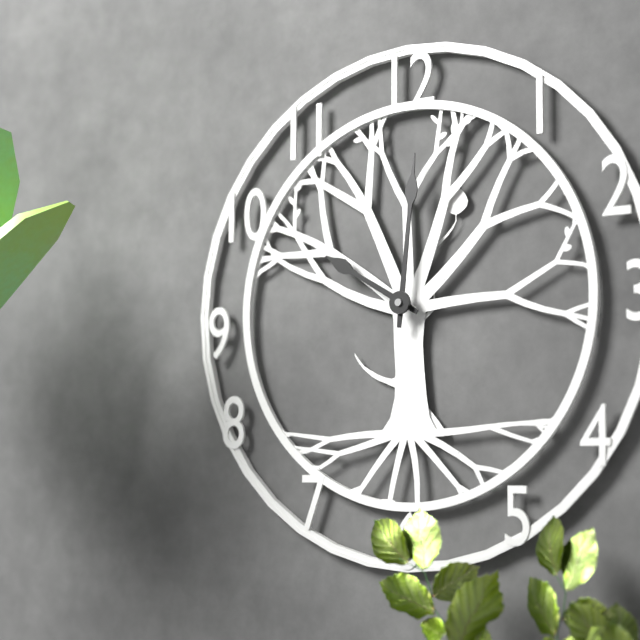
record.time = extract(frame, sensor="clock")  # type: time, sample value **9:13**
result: **10:01**
